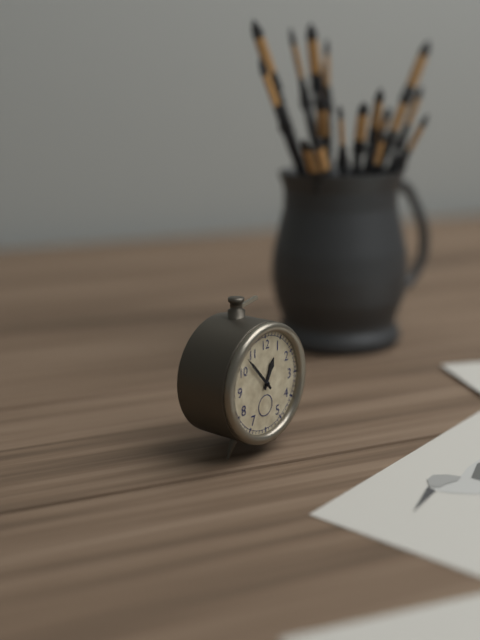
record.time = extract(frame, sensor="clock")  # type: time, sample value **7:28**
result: **12:53**
